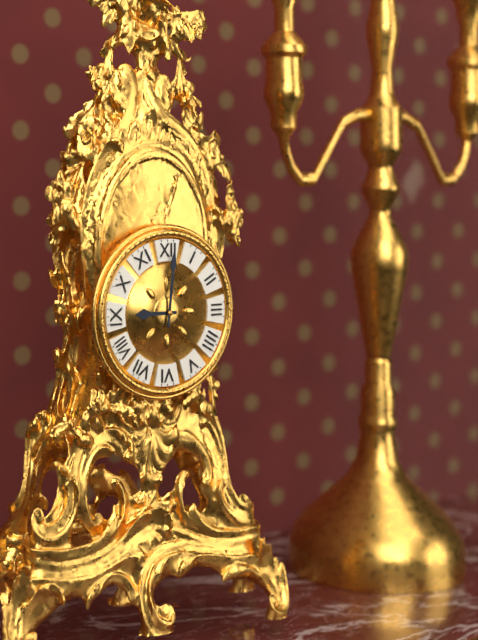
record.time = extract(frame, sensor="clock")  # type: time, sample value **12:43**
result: **9:01**
